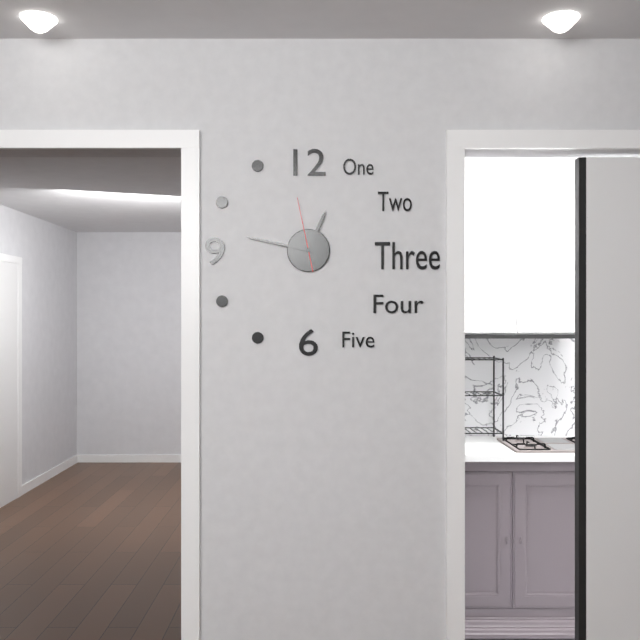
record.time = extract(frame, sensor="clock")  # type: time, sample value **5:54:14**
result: **12:47:58**
